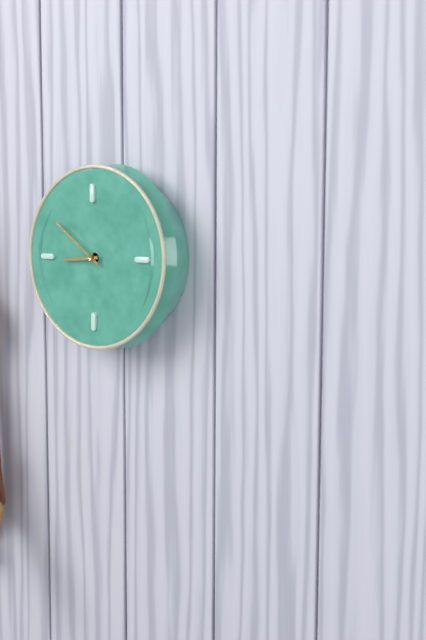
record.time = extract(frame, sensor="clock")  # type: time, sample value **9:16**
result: **8:51**
